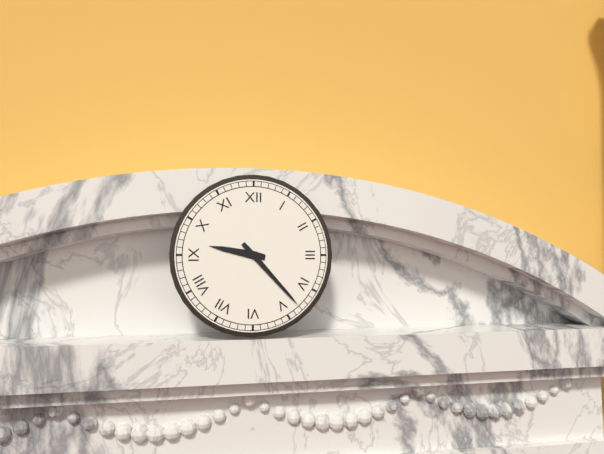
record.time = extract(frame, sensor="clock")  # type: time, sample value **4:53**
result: **9:23**
